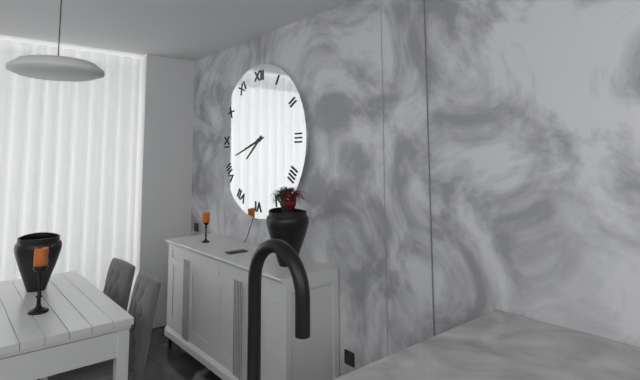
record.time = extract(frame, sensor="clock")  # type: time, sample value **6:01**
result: **7:42**
